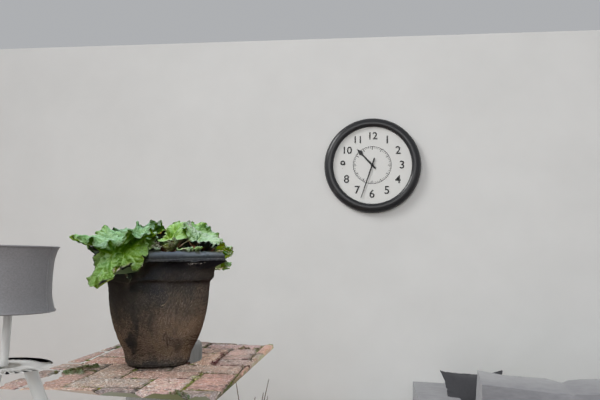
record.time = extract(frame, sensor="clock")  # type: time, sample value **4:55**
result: **10:33**
